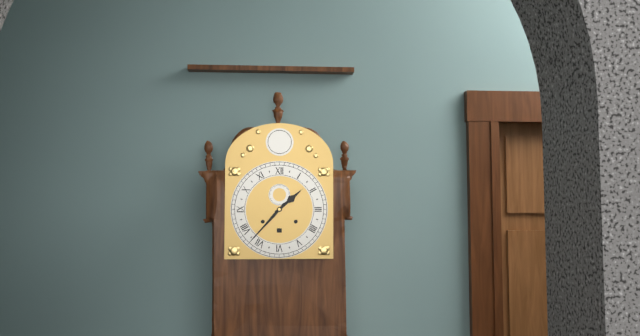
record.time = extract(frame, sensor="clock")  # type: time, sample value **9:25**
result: **1:37**
